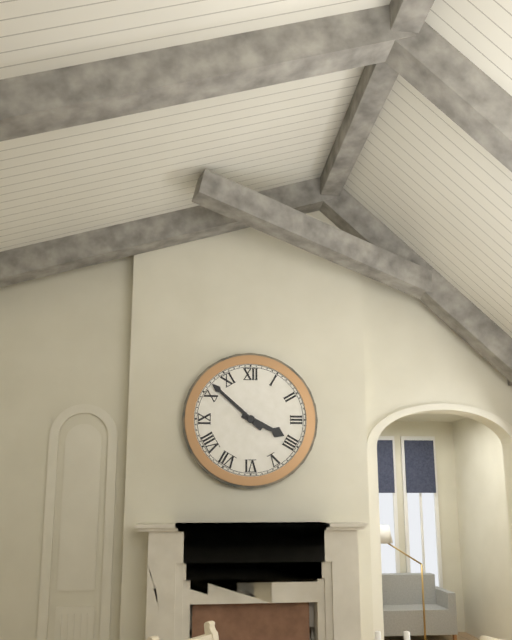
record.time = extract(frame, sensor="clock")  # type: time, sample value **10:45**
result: **3:52**
